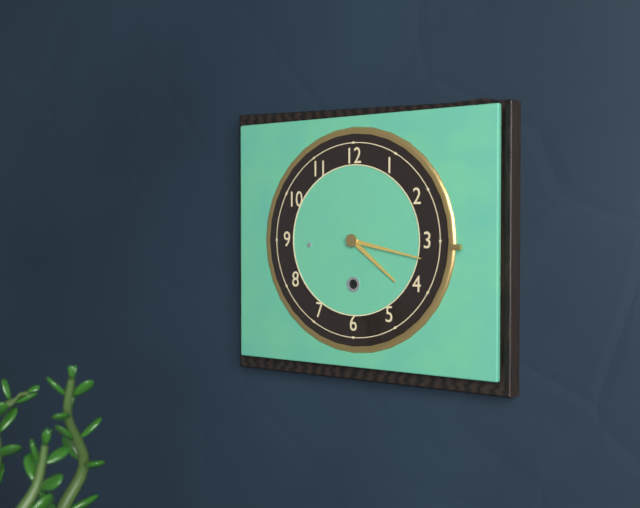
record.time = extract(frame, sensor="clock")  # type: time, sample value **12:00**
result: **4:17**
